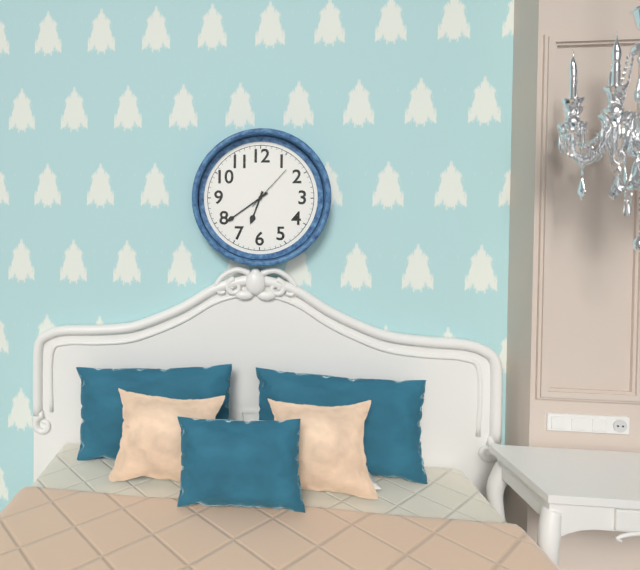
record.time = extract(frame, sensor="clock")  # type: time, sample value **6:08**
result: **6:39**
